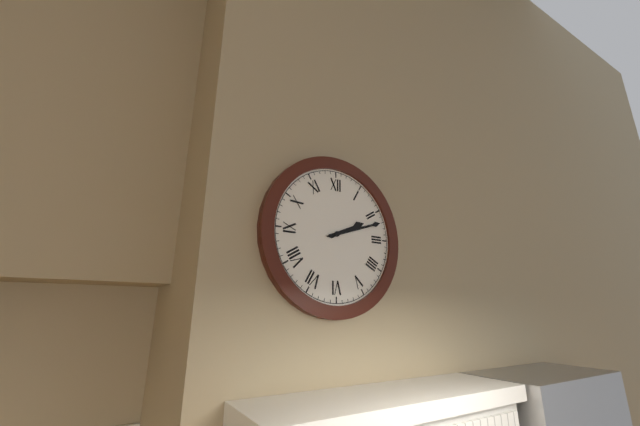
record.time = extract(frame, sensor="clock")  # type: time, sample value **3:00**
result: **2:12**
